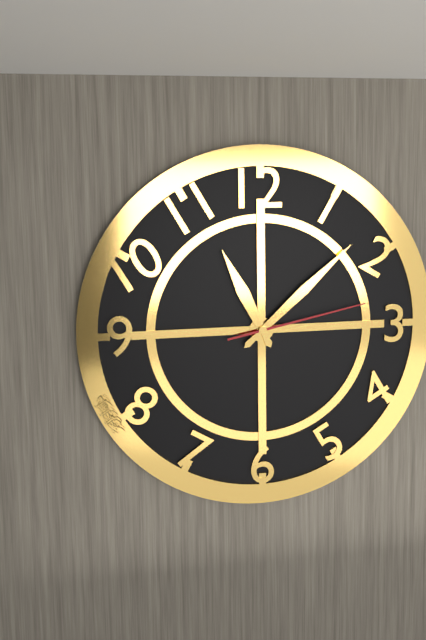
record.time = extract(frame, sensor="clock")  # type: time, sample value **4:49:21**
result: **11:08:13**
